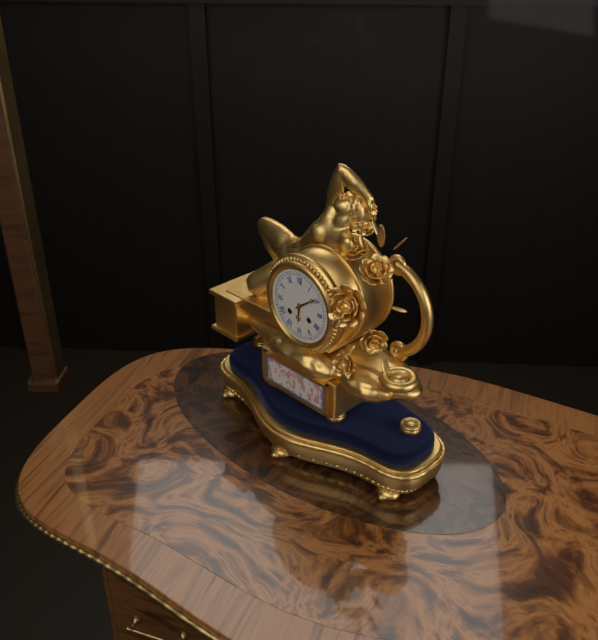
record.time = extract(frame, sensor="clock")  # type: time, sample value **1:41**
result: **6:09**
